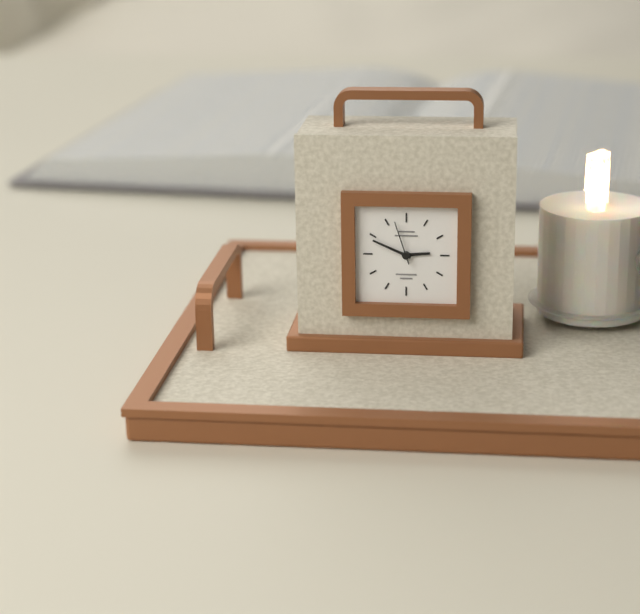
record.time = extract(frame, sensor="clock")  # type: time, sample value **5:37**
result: **2:49**
